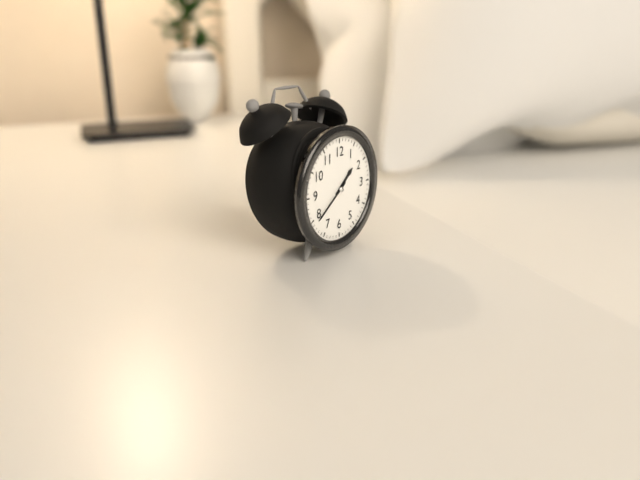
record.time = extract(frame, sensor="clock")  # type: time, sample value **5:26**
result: **1:39**
